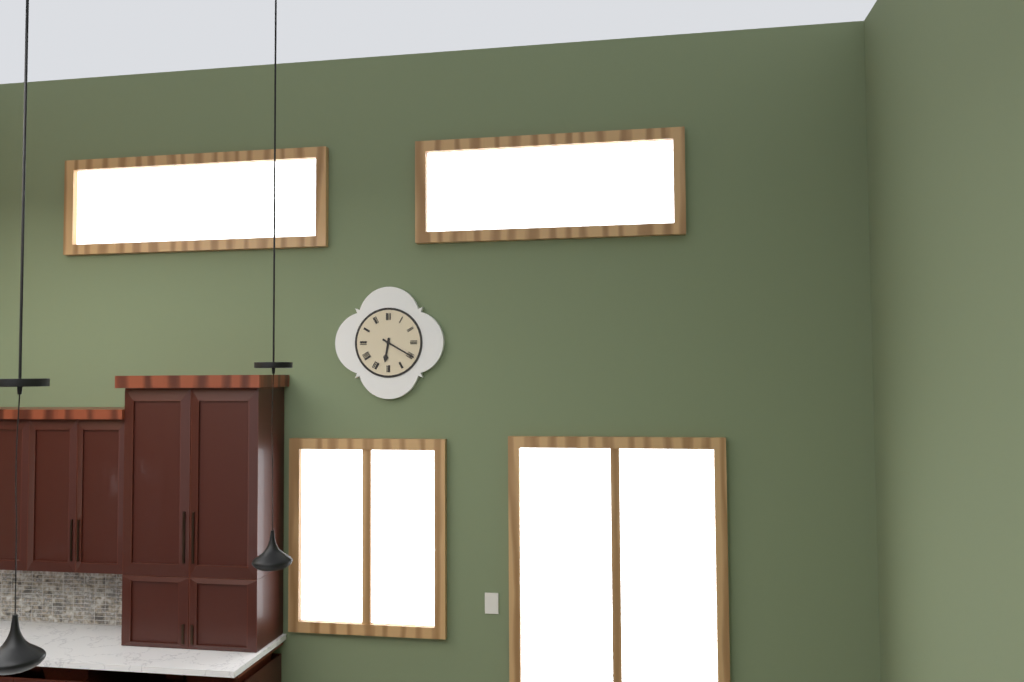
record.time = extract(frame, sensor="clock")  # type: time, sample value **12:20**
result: **6:20**
